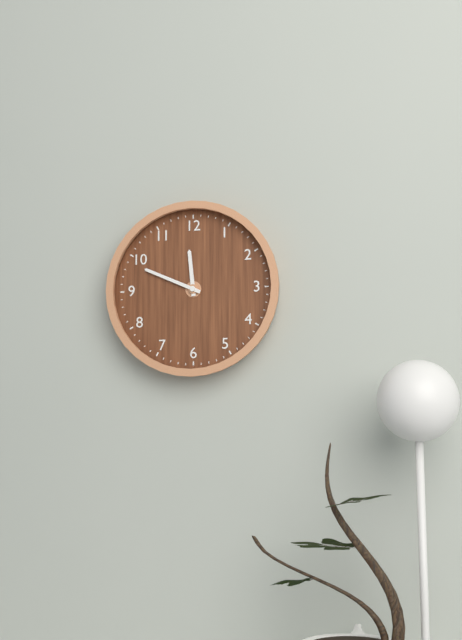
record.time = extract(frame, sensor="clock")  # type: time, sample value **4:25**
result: **11:49**
